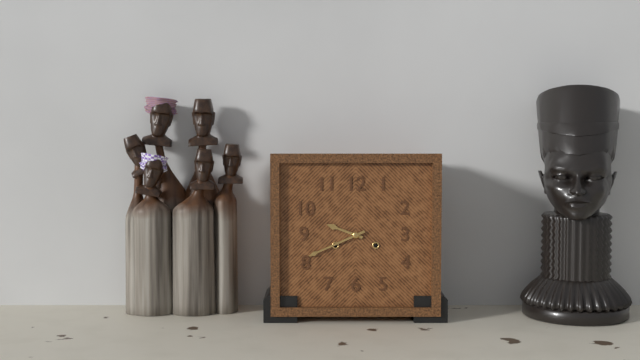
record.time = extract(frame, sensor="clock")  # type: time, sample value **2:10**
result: **9:41**
